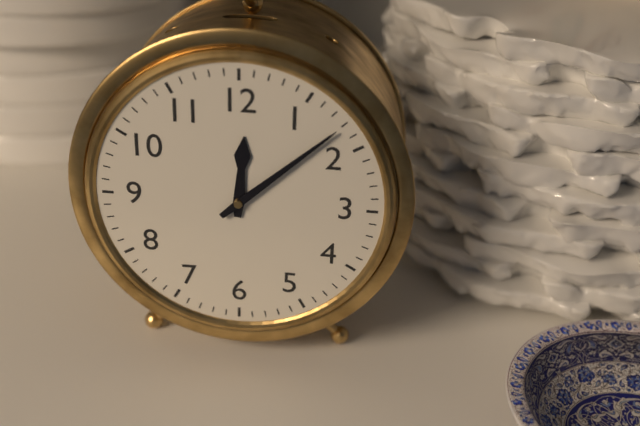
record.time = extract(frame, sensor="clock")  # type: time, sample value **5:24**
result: **12:08**
